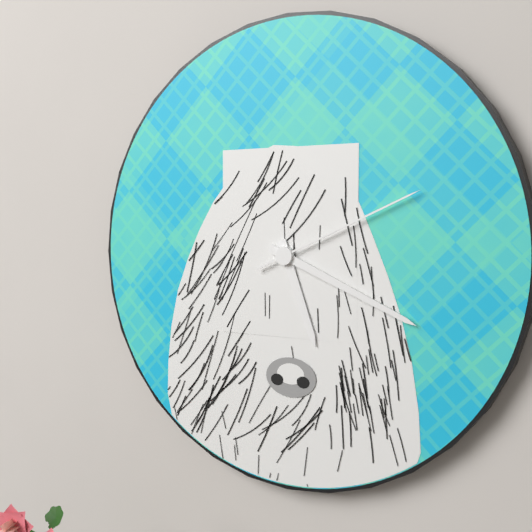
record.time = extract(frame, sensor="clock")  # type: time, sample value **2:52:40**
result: **5:19:11**
